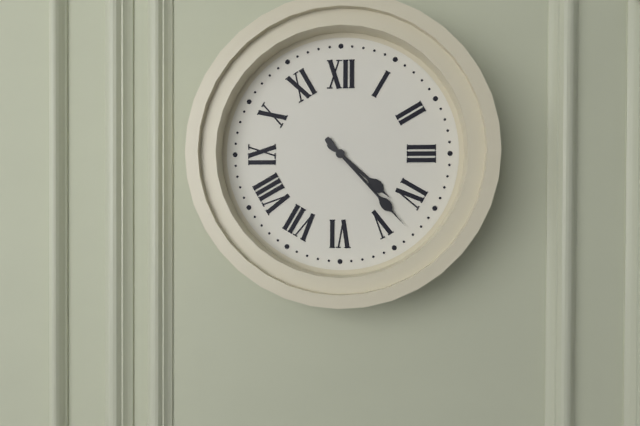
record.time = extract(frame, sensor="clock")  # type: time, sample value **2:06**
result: **4:23**
